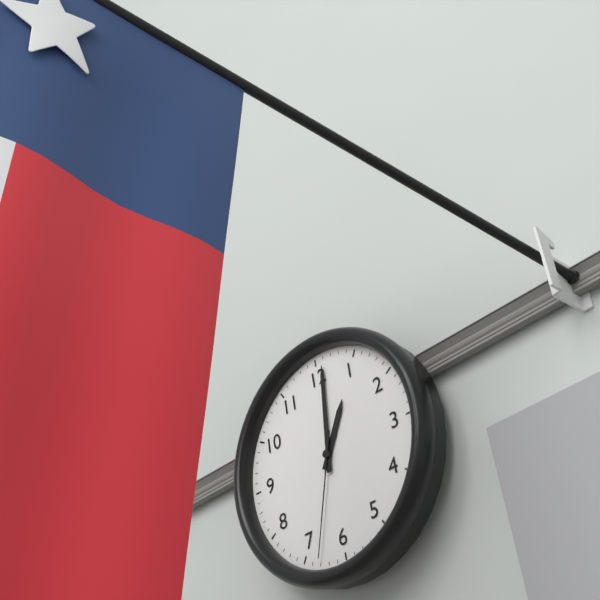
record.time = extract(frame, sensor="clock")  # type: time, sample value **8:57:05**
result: **1:01:33**
